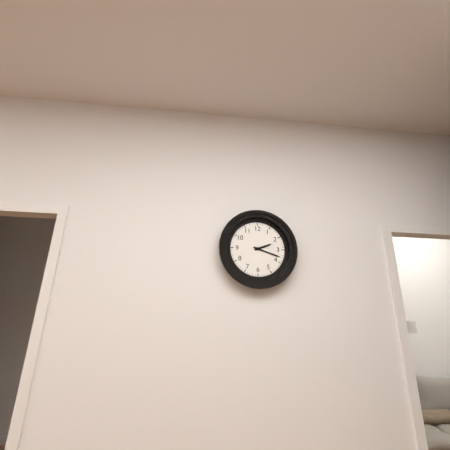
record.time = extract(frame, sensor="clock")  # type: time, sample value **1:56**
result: **2:18**
